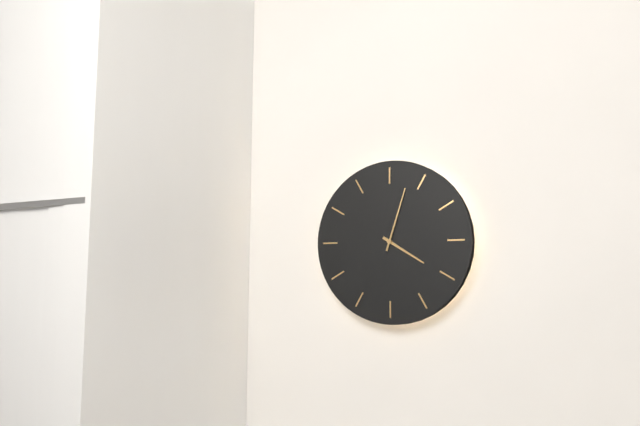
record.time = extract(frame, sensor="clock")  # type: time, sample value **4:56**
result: **4:03**
